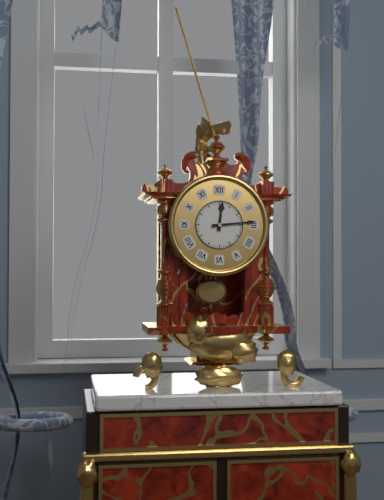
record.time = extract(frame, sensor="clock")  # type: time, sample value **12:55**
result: **12:14**
